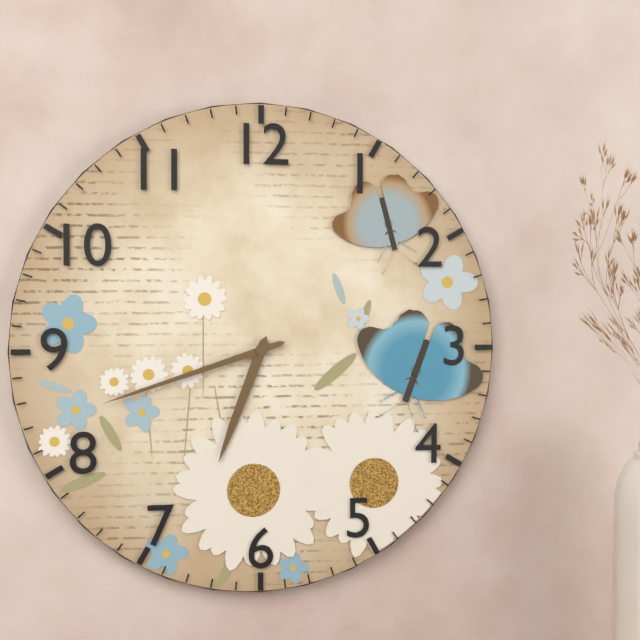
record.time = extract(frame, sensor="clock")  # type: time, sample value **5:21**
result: **6:42**
